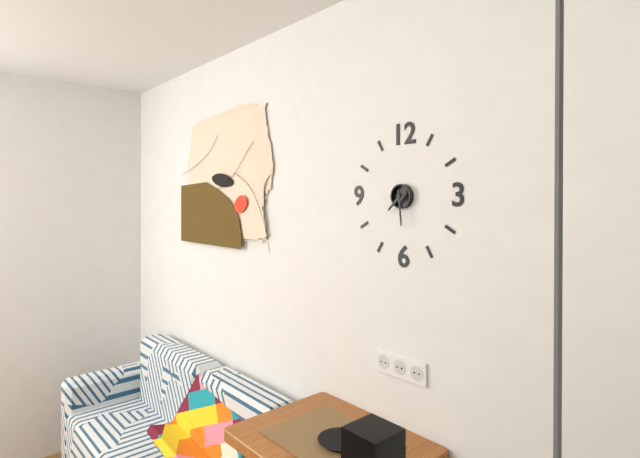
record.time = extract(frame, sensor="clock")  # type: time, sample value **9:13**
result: **7:29**
